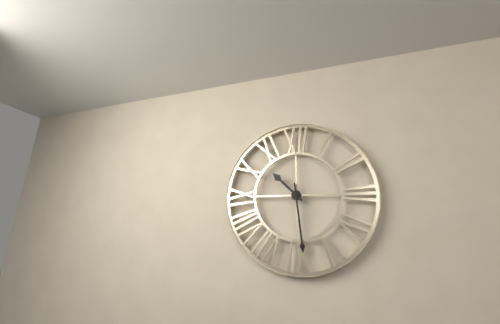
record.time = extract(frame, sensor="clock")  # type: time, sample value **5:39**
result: **10:29**
